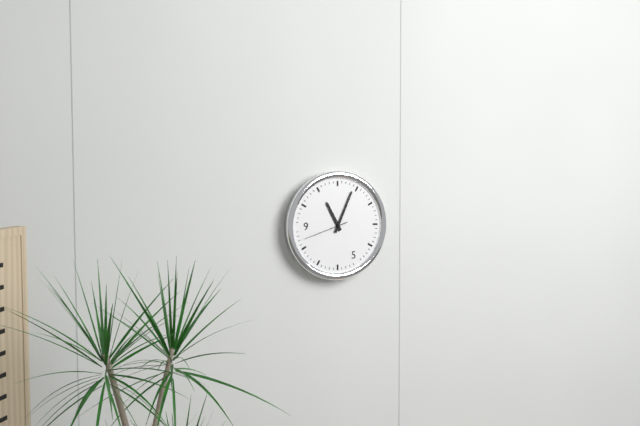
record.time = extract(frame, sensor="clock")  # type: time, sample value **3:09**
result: **11:04**
